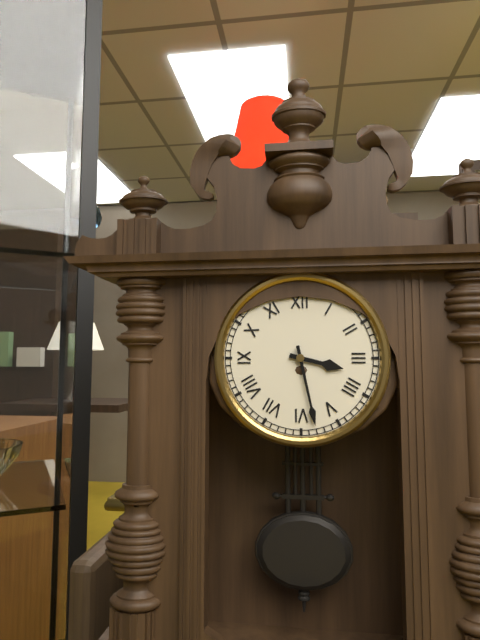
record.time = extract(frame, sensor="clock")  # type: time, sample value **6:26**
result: **3:28**
